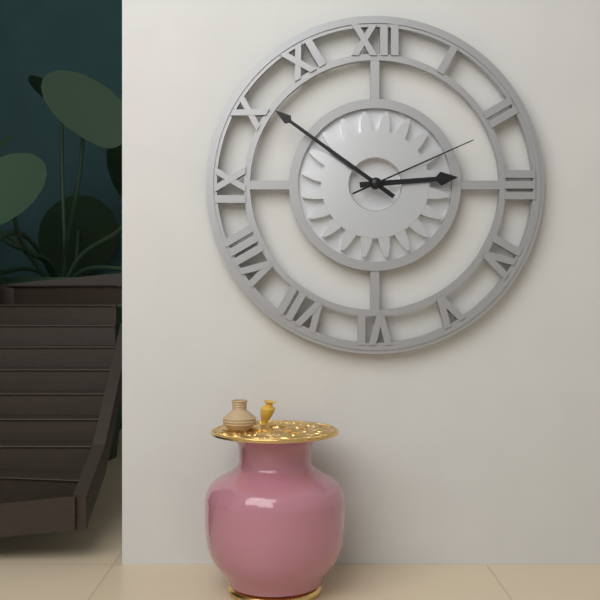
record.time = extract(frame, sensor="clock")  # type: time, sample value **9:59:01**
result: **2:51:11**
